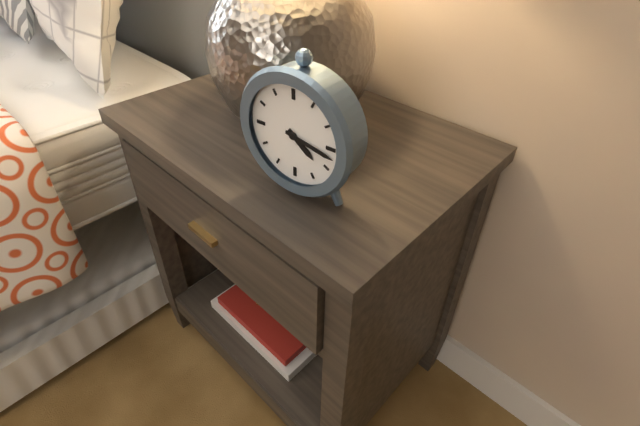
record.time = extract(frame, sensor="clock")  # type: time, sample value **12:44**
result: **4:17**
